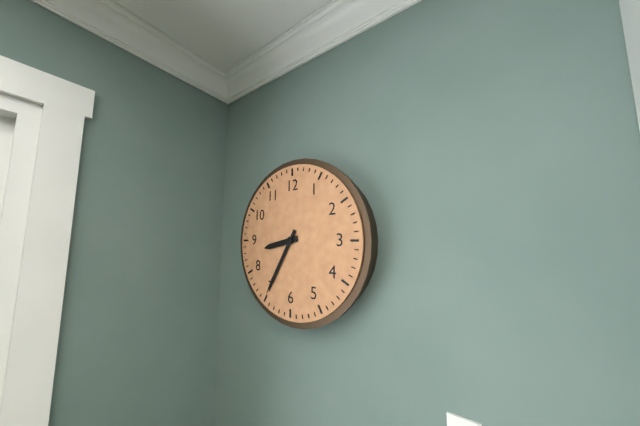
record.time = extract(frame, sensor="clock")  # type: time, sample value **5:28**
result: **8:35**
